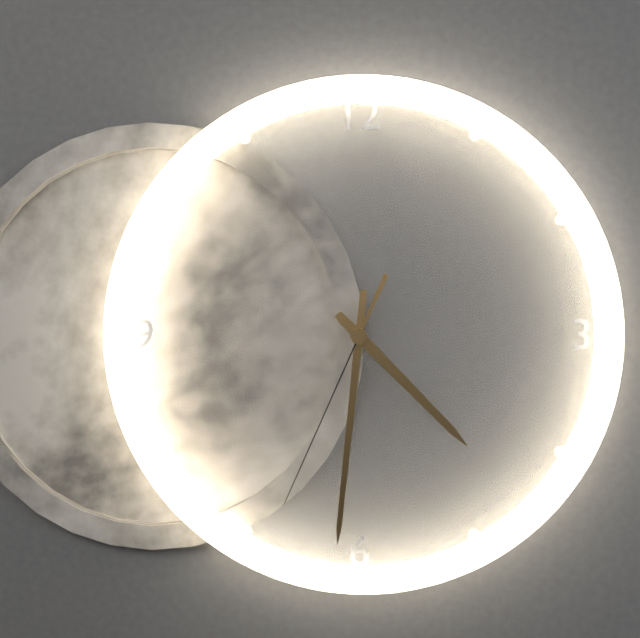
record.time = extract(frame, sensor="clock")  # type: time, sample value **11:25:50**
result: **4:31:34**
